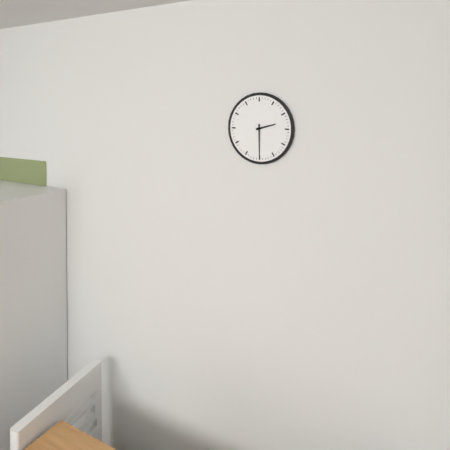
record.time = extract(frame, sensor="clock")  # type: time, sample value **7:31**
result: **2:30**
